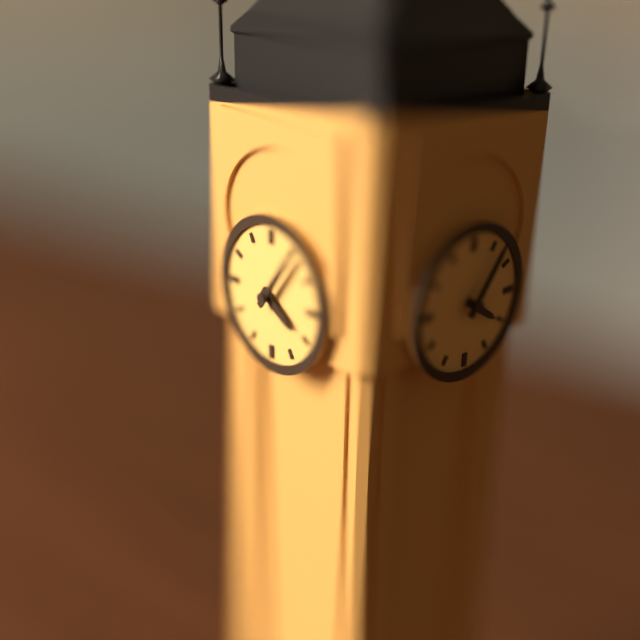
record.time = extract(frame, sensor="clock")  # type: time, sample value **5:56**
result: **4:06**
